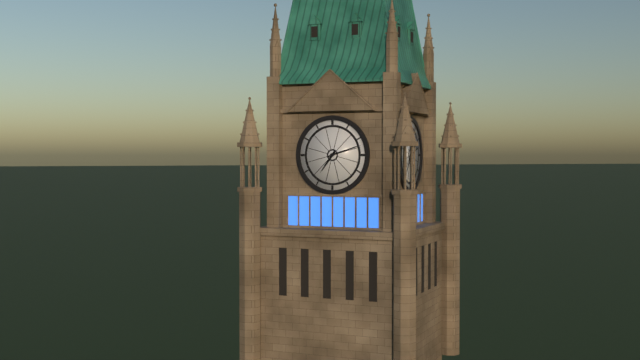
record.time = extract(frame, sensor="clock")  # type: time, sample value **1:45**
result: **7:12**
